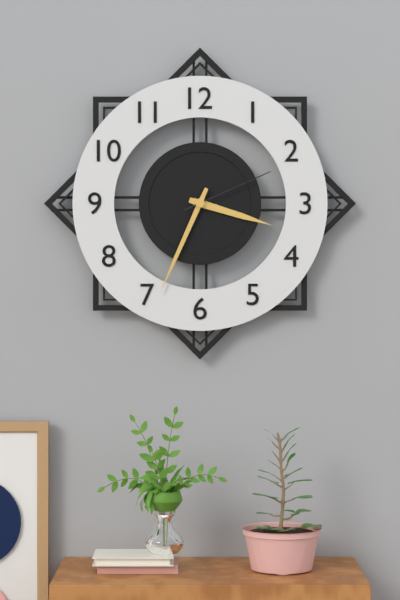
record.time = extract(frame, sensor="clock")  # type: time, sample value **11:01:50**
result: **3:34:11**
